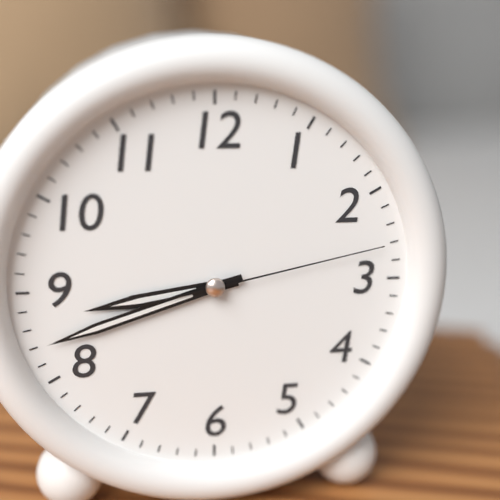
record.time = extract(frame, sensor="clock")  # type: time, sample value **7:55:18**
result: **8:42:13**
